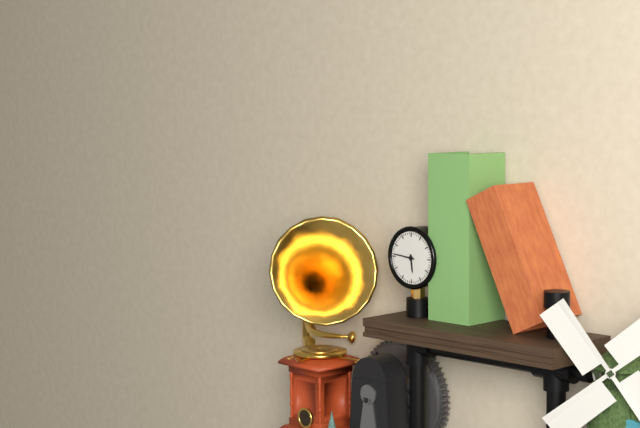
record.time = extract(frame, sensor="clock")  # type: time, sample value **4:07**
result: **5:46**
